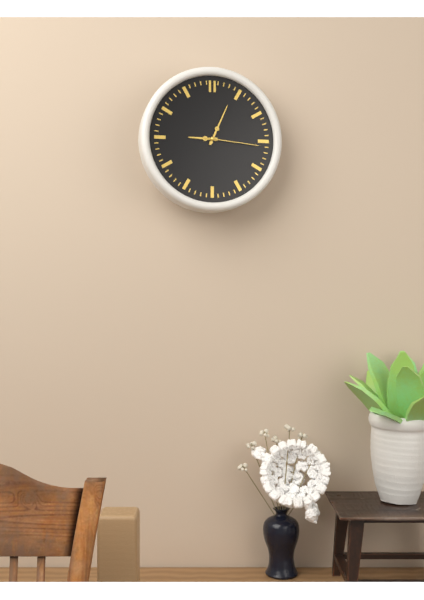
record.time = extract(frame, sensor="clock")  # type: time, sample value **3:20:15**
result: **9:04:16**
